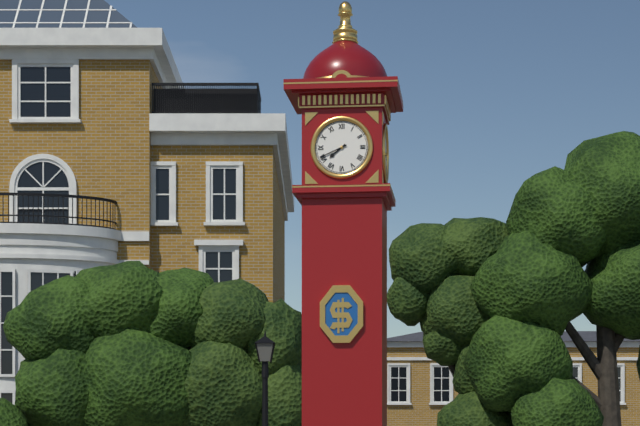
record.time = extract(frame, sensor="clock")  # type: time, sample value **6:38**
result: **7:41**
